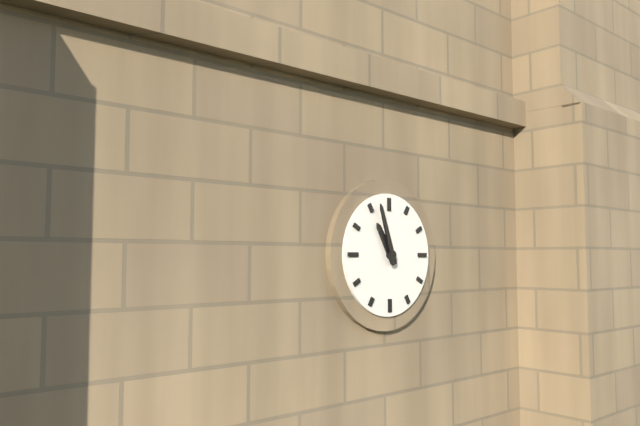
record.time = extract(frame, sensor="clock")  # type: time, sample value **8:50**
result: **10:57**
